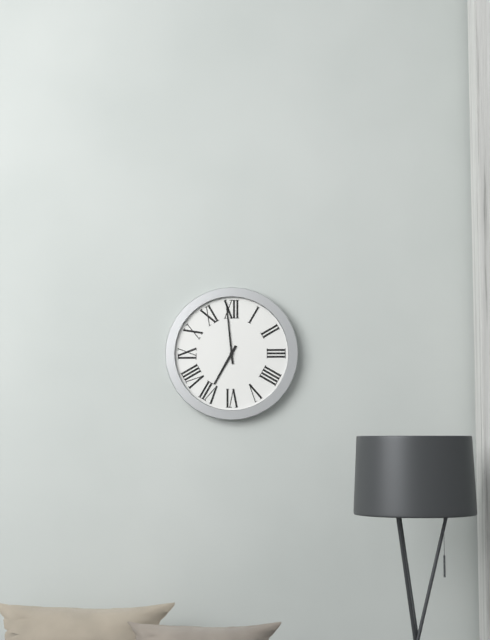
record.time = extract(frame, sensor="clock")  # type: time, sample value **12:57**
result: **6:59**
